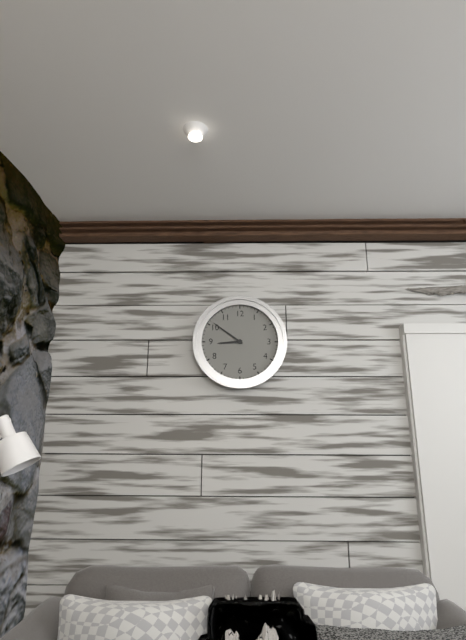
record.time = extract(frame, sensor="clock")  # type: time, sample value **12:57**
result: **8:51**
